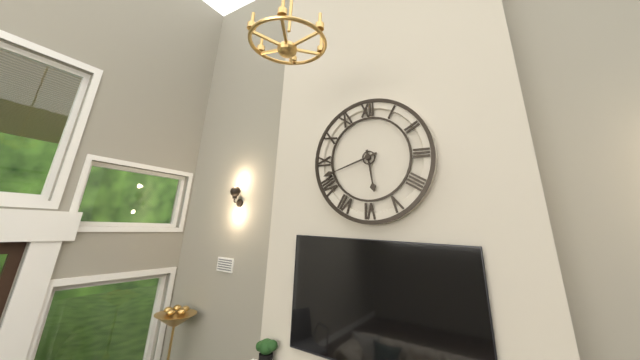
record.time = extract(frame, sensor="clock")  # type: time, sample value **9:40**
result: **5:42**
